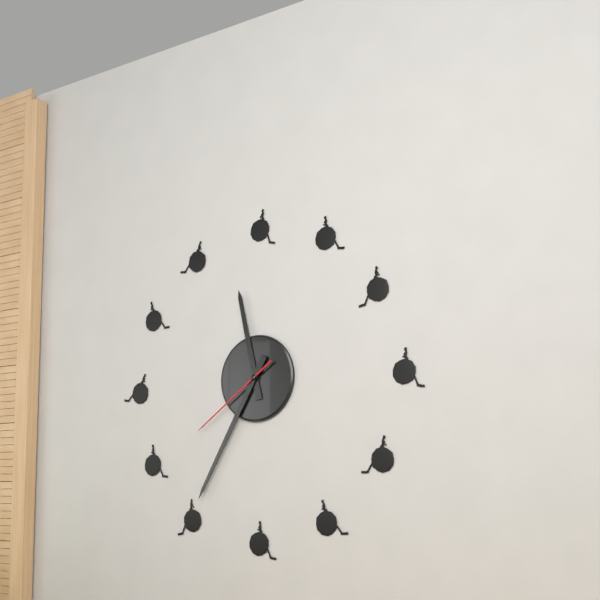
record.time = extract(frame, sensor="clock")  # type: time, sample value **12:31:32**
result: **11:35:39**
